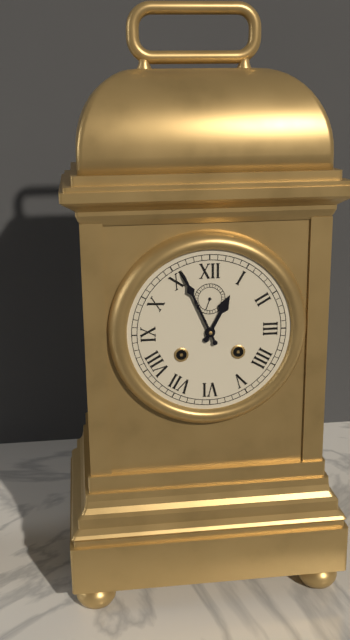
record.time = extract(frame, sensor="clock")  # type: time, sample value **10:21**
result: **12:56**
